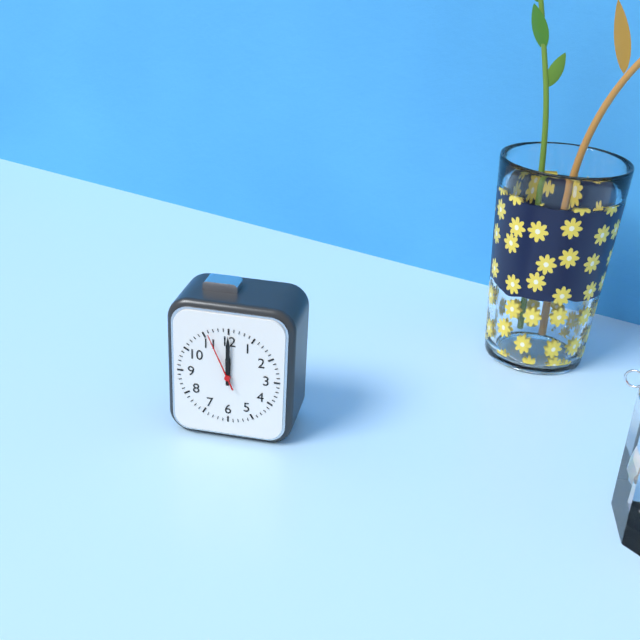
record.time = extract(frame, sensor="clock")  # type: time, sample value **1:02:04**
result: **12:00:56**
